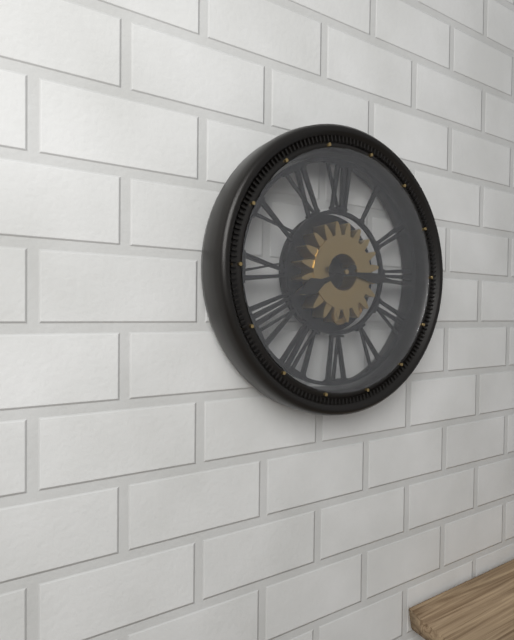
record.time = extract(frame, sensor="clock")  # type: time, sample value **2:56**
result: **8:16**
